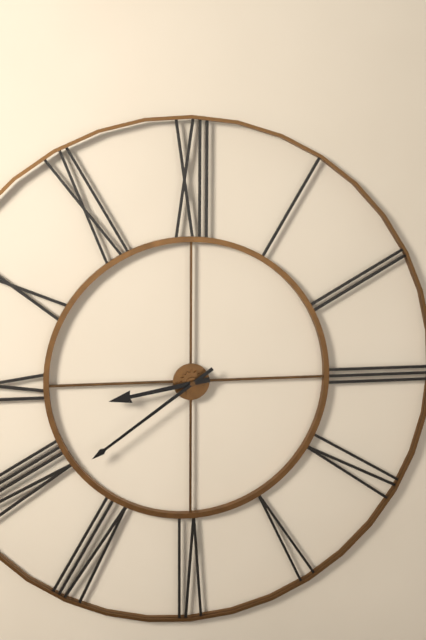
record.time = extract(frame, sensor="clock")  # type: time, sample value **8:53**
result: **8:39**
